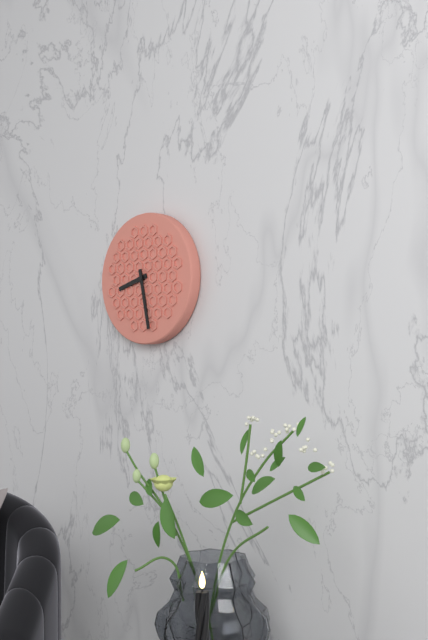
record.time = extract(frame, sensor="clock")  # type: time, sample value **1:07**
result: **8:28**
